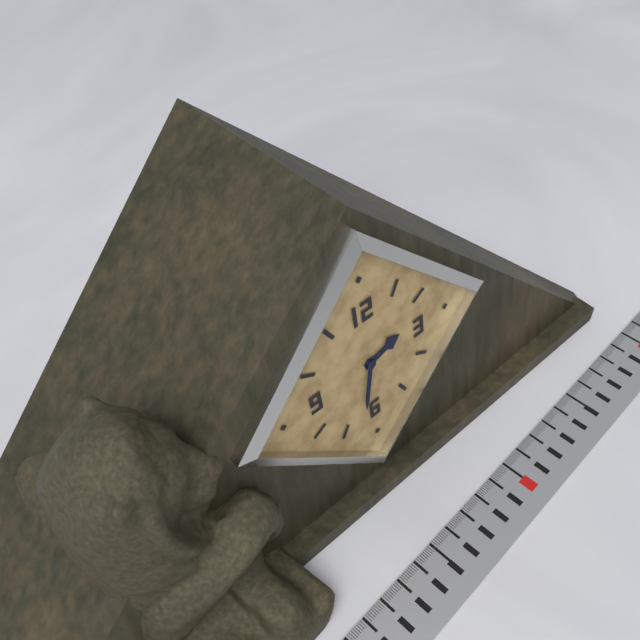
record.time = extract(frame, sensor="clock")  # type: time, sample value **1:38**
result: **2:32**
